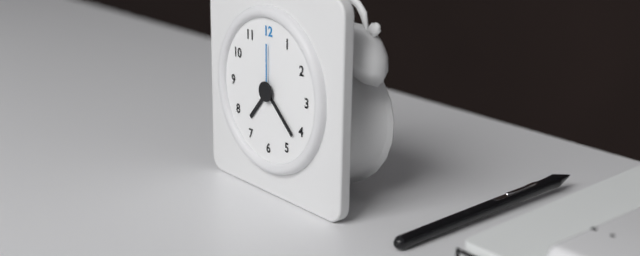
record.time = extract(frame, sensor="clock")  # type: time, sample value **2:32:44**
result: **7:22:00**
